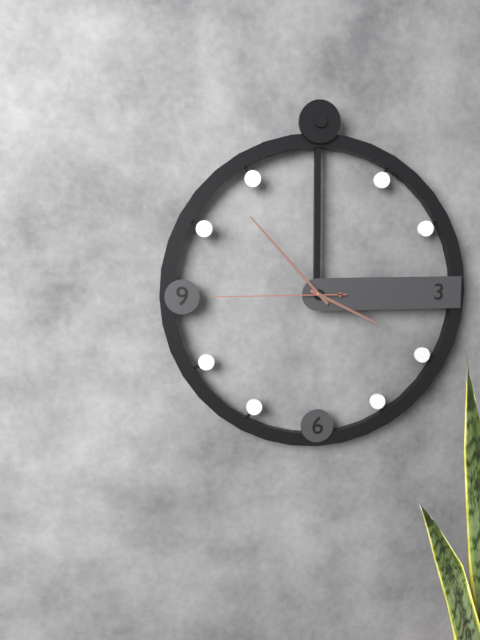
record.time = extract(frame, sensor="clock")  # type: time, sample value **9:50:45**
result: **3:53:45**
